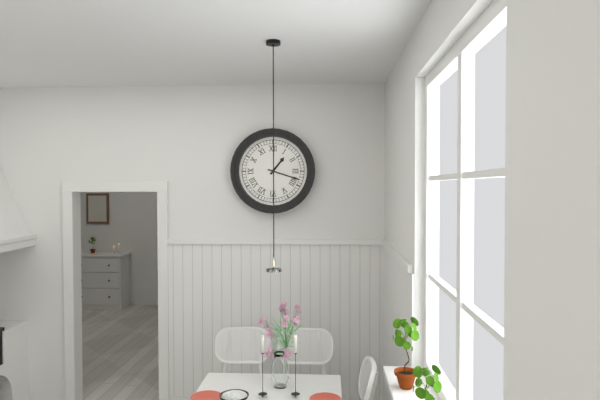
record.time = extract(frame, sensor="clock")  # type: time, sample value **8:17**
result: **1:18**
